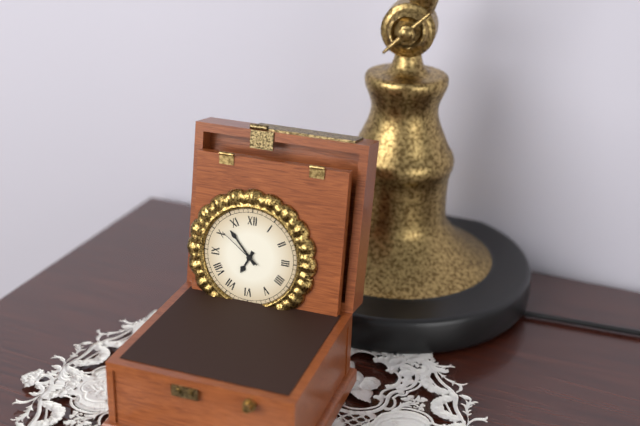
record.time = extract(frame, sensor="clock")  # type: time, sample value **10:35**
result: **6:53**
